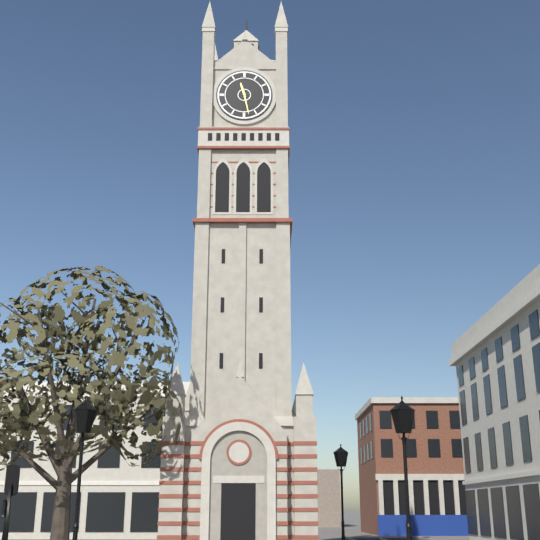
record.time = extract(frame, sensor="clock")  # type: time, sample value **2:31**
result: **11:28**
